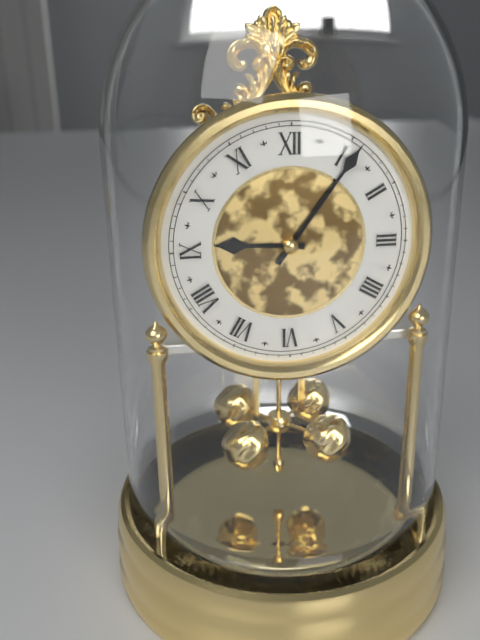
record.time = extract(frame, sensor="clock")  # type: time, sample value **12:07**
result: **9:06**
